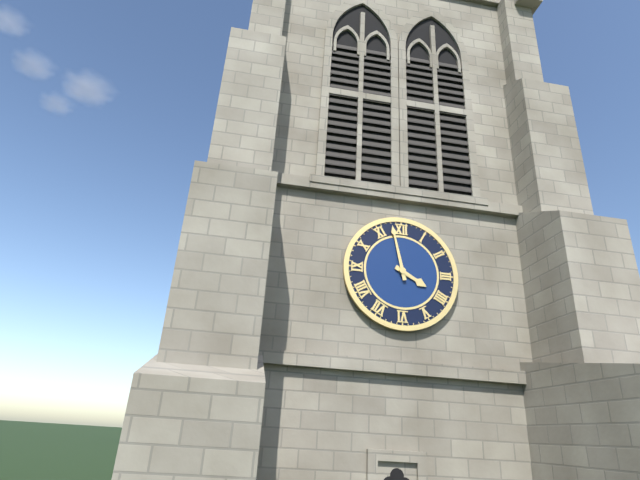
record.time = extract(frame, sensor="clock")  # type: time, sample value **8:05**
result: **3:58**
